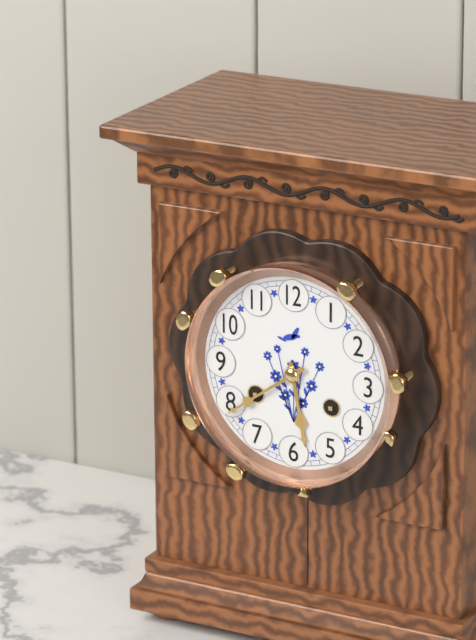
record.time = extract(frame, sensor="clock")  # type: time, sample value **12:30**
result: **5:39**
